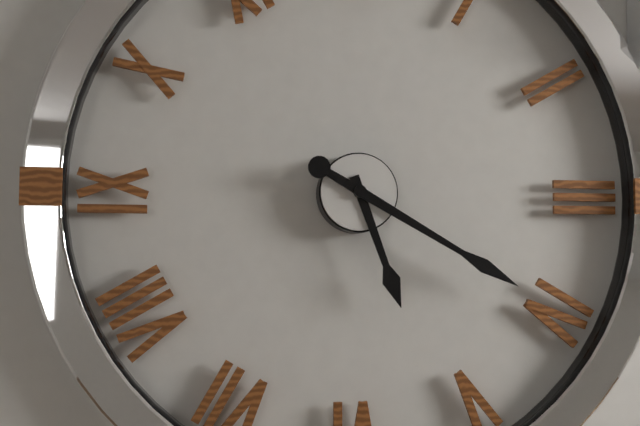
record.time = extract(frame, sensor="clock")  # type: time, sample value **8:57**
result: **5:20**
